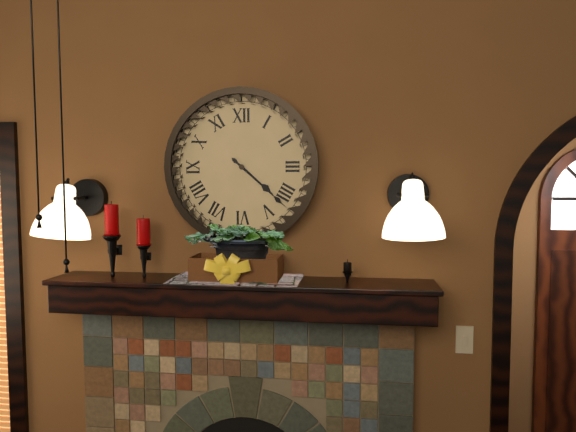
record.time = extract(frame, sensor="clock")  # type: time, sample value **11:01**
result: **4:22**
